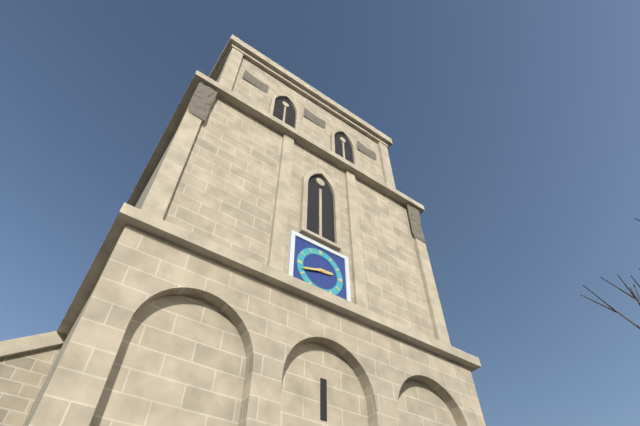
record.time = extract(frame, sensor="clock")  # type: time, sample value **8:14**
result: **2:42**
